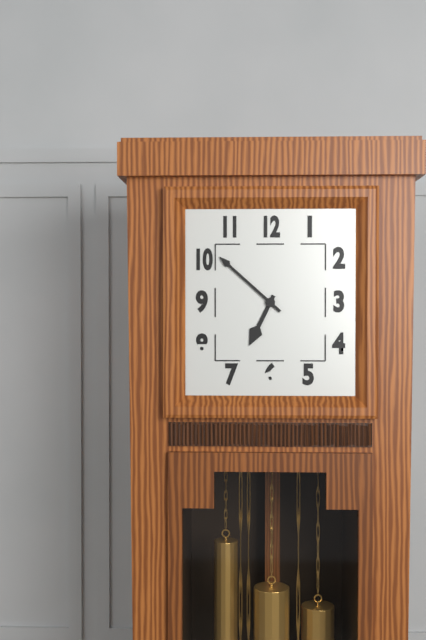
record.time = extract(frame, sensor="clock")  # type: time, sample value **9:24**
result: **6:52**
